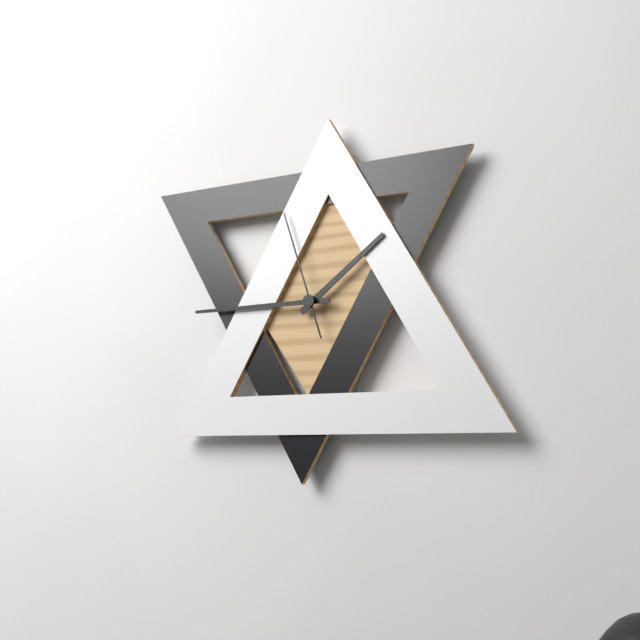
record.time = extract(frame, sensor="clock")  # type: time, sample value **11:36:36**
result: **1:45:57**
